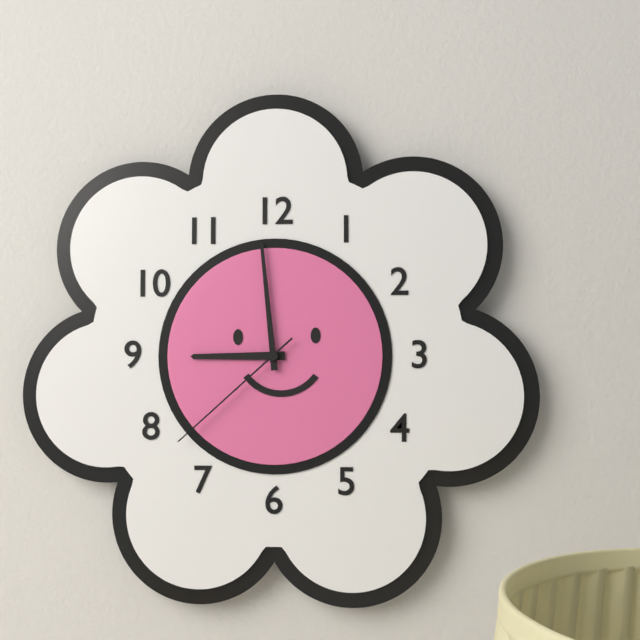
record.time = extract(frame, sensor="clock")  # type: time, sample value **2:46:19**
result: **8:59:38**
